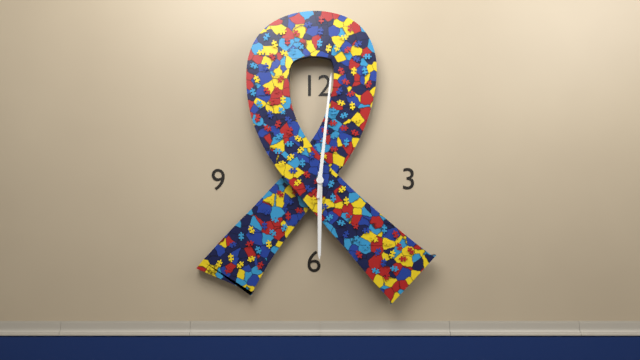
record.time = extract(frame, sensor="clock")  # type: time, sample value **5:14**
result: **6:01**
